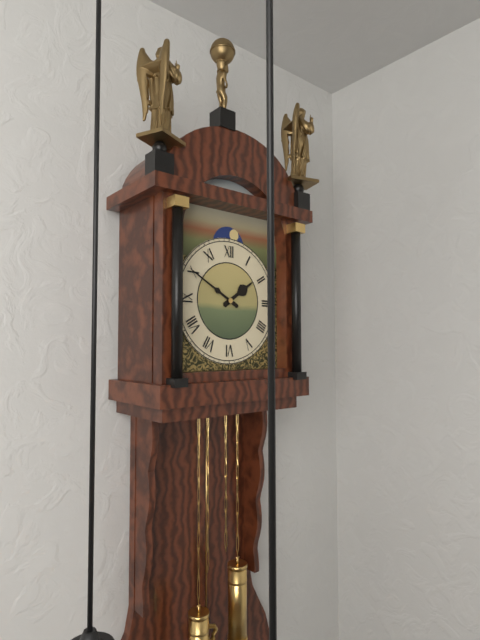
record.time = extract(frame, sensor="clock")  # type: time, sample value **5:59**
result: **1:50**
